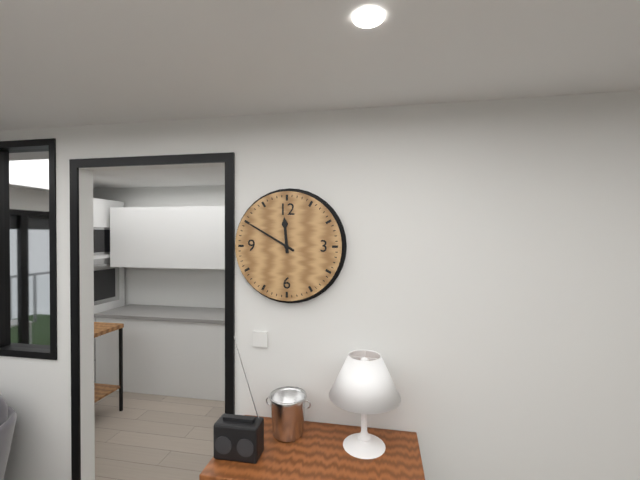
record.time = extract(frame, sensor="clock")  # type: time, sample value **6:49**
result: **11:50**
